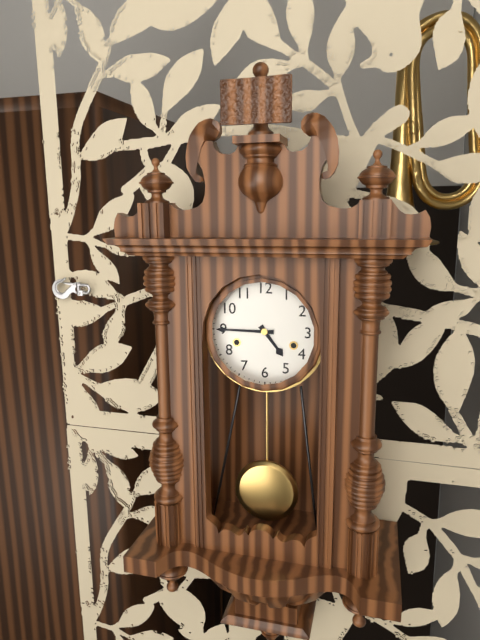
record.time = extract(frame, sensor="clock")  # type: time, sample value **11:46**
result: **4:45**
